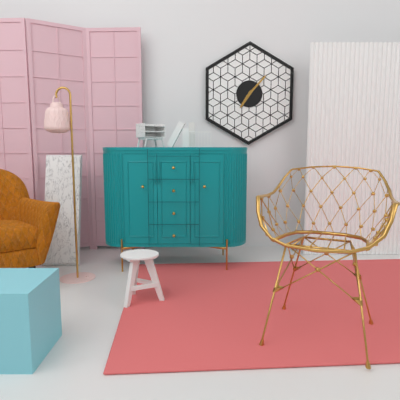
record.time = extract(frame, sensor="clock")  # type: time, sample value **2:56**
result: **7:07**
